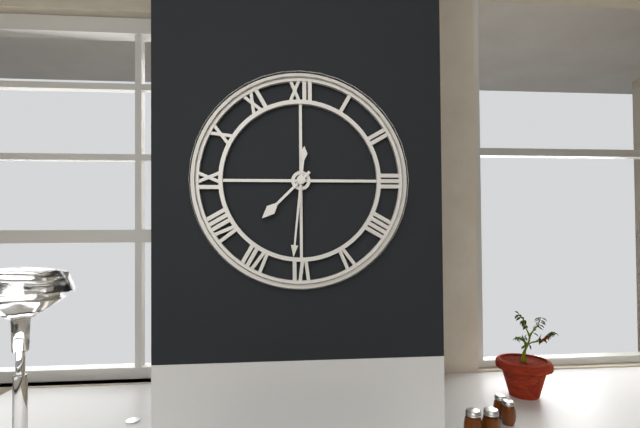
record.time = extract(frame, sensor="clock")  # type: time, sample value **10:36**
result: **7:31**
